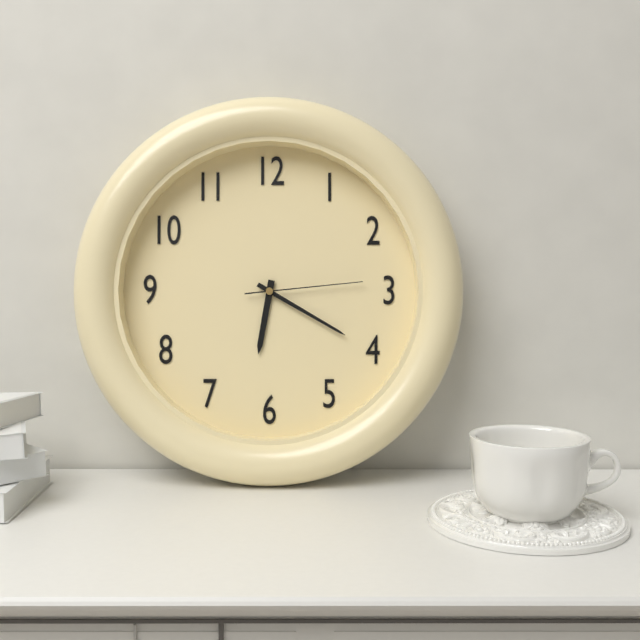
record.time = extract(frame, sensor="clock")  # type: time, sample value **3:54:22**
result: **6:20:14**
